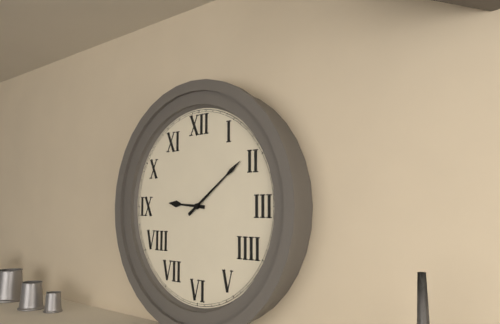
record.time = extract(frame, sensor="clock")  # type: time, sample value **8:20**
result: **9:09**
